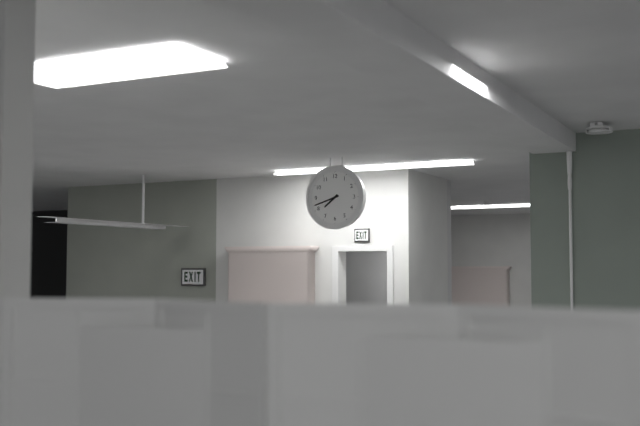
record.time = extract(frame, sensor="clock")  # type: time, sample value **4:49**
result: **7:42**
